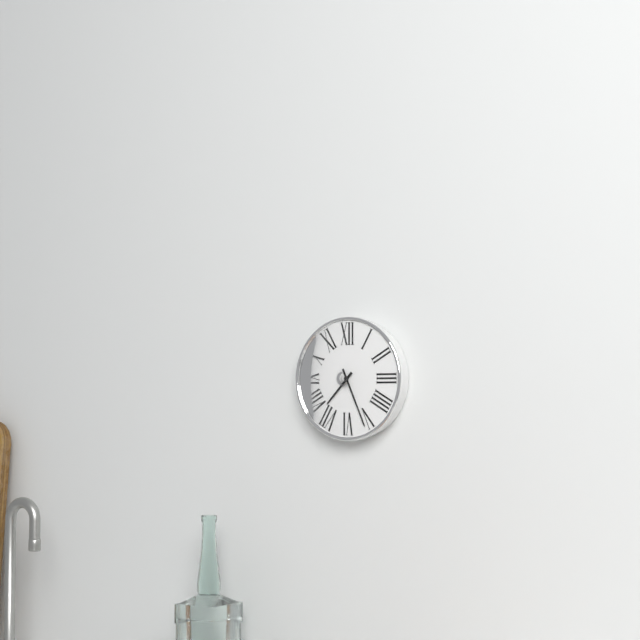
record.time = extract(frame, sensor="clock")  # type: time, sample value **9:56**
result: **7:26**
